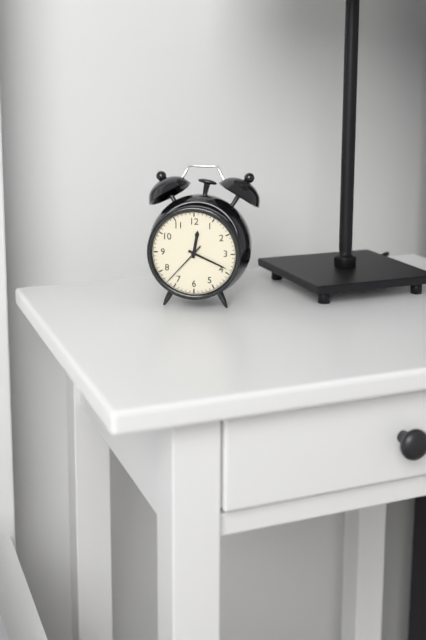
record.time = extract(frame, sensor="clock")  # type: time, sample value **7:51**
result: **12:19**
